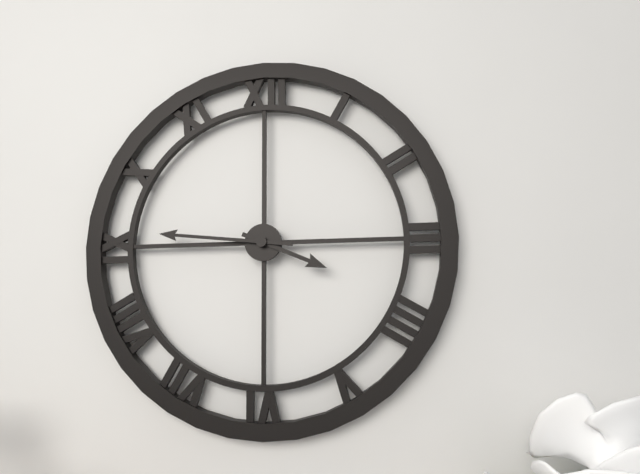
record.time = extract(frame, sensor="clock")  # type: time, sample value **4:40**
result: **3:46**
